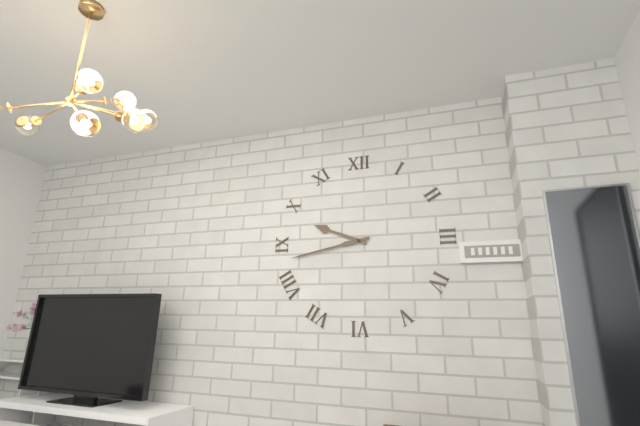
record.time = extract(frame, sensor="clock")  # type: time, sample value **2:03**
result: **9:43**
